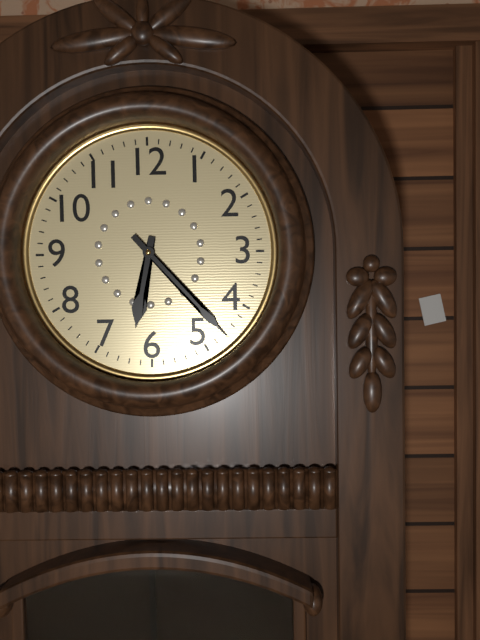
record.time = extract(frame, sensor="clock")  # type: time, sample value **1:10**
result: **6:23**
